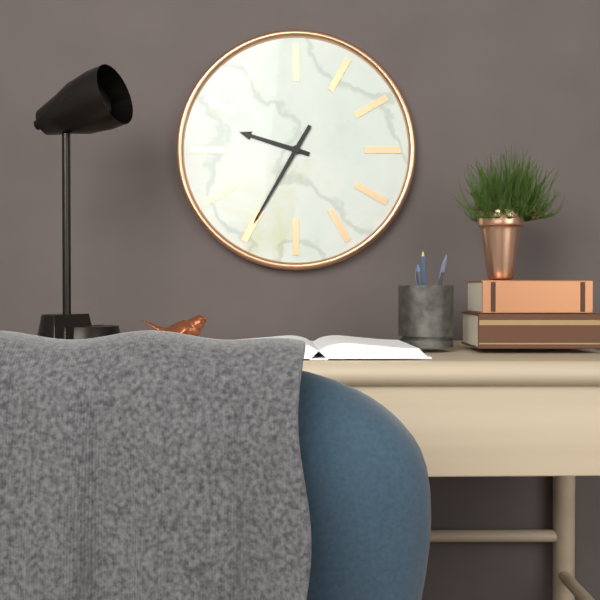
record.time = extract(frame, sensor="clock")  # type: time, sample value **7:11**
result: **9:35**
